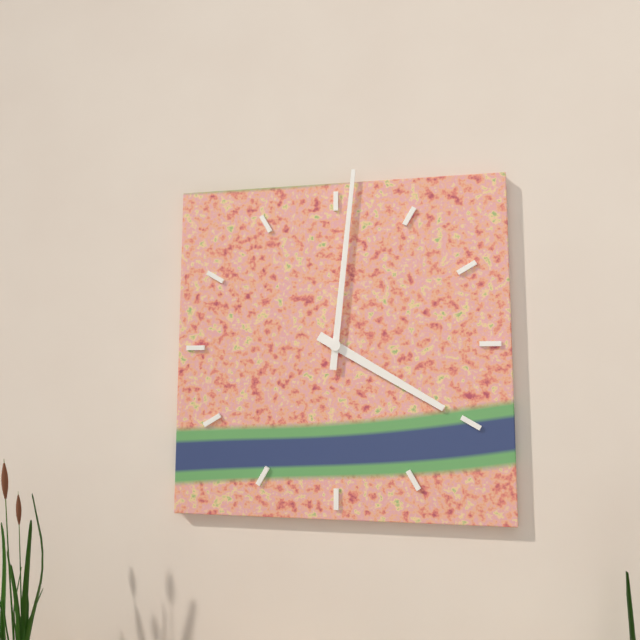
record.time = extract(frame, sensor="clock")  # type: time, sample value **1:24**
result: **4:01**
